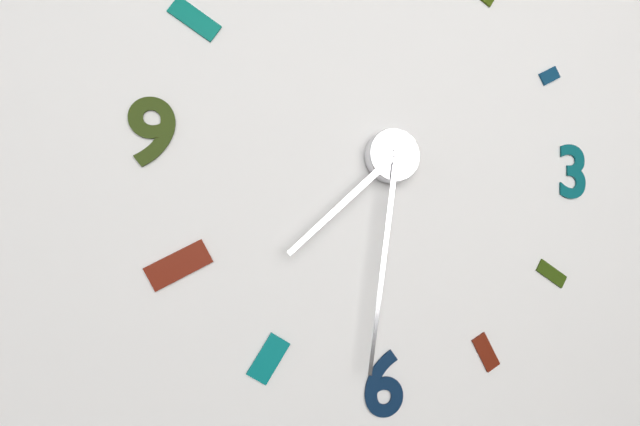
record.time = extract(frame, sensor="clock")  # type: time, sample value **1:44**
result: **7:31**
